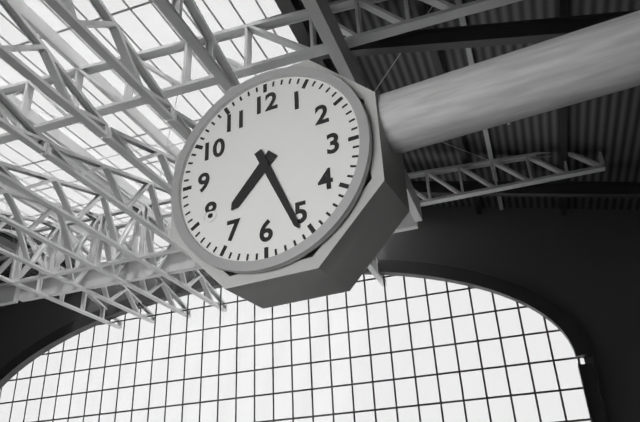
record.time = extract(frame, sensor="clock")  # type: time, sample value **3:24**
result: **7:26**
